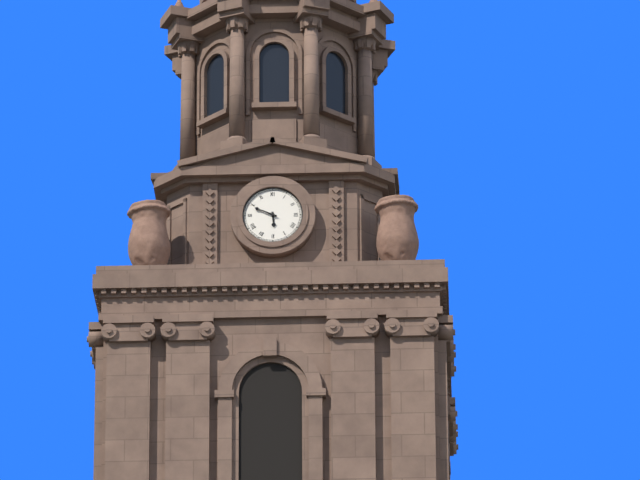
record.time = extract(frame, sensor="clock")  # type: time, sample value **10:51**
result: **5:49**
